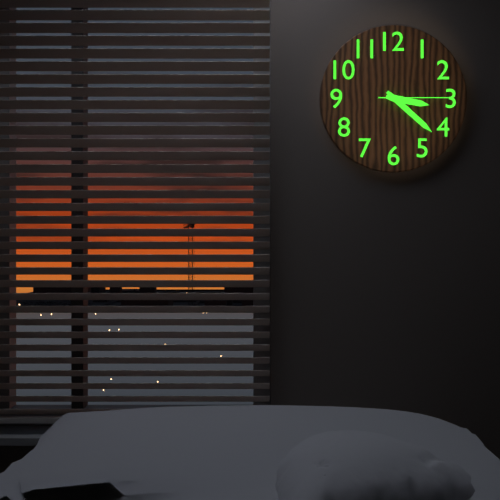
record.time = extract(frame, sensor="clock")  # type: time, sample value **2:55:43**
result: **3:22:15**
